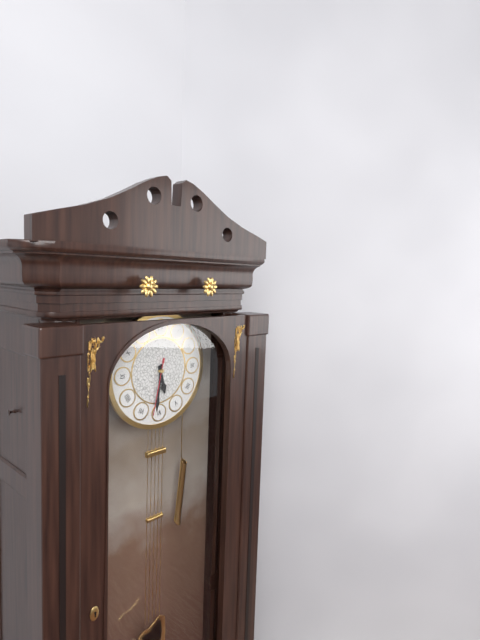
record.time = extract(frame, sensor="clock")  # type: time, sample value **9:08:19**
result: **5:31:32**
